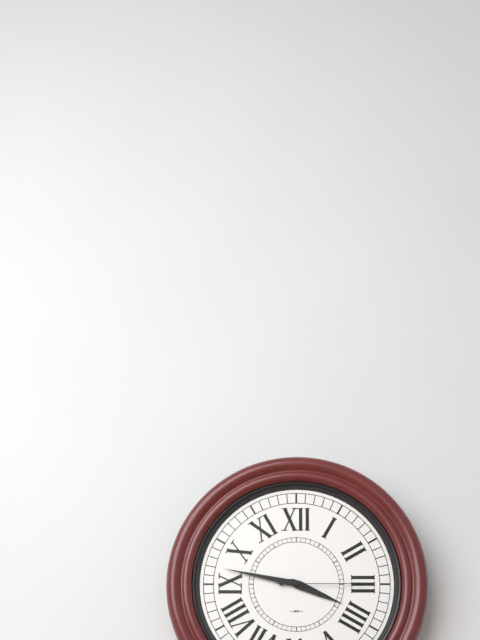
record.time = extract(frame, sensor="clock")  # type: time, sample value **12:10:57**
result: **3:47:15**
